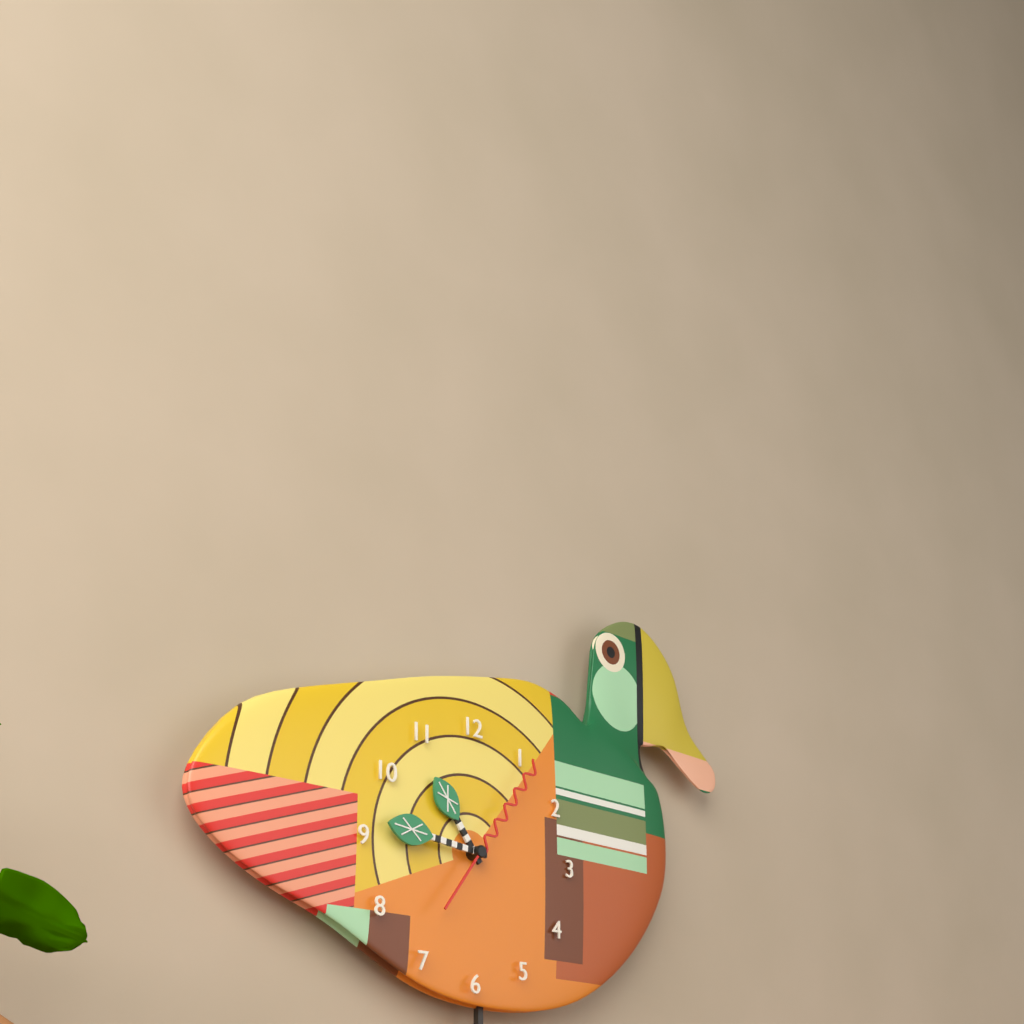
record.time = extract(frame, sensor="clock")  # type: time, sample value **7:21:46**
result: **10:46:06**
